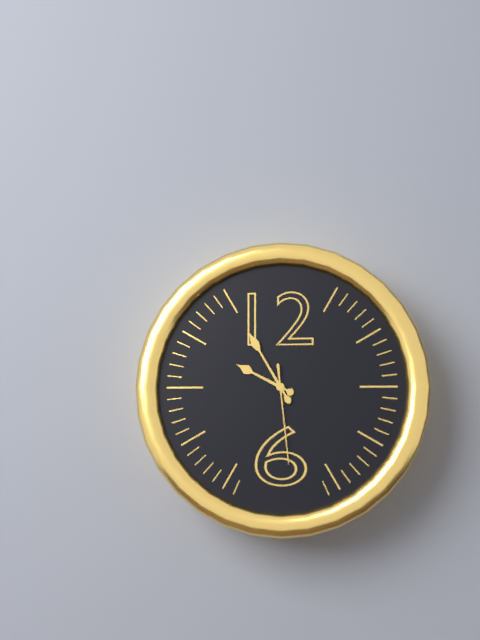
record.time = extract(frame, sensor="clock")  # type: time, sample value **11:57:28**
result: **9:55:29**
